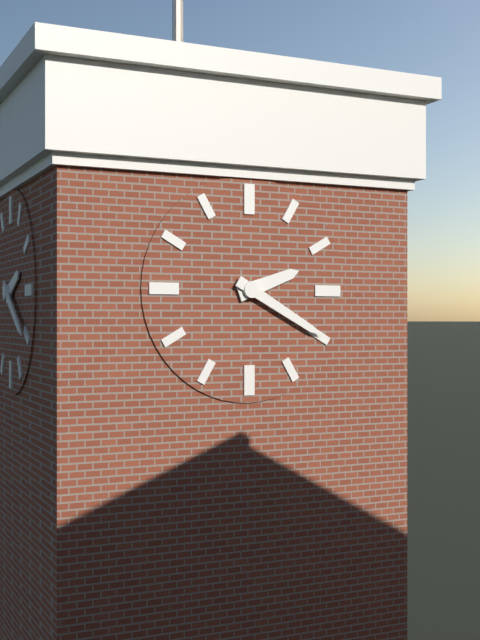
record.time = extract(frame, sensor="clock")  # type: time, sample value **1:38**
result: **2:20**
